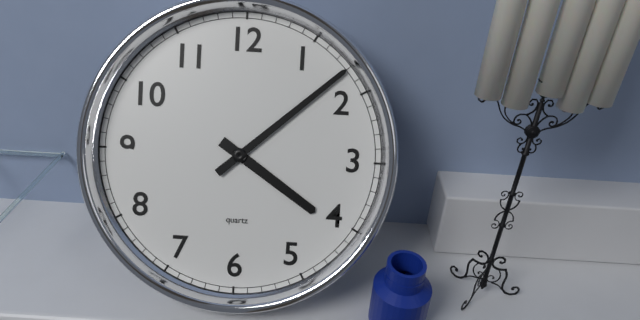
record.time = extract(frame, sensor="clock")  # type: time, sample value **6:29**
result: **4:08**
